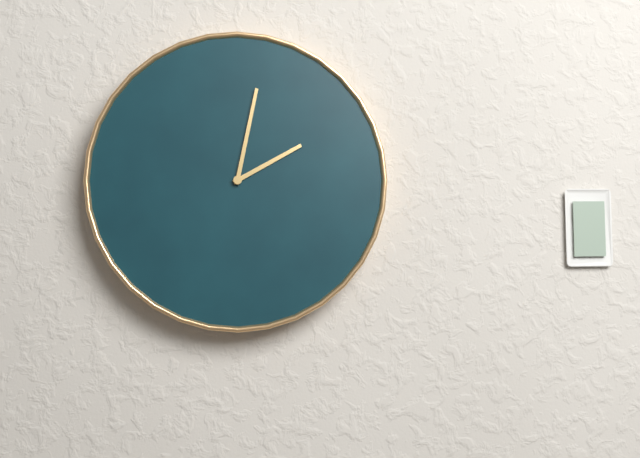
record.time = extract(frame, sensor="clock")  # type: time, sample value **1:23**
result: **2:02**
